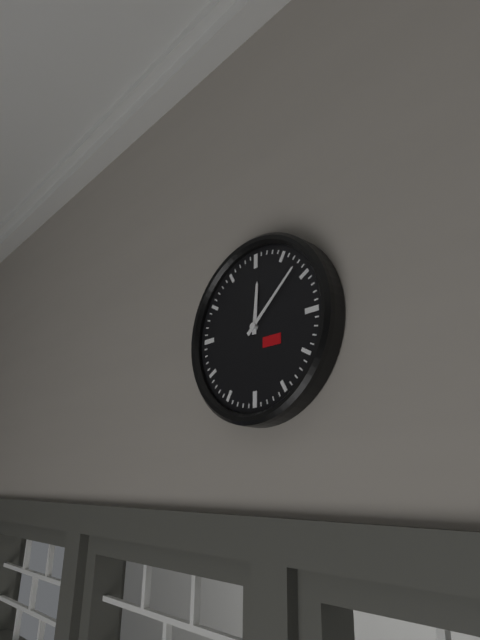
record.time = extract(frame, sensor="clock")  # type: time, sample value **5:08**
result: **12:08**
